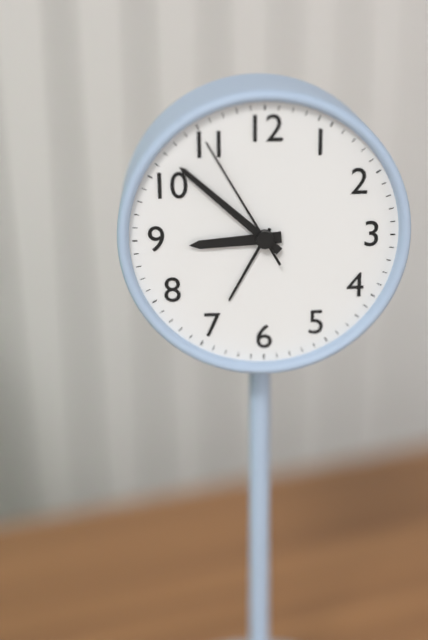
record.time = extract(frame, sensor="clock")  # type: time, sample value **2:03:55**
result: **8:52:55**
